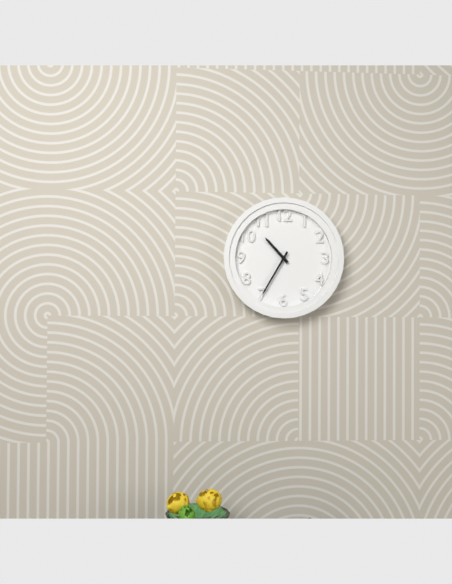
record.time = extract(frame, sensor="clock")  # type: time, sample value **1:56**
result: **10:35**
